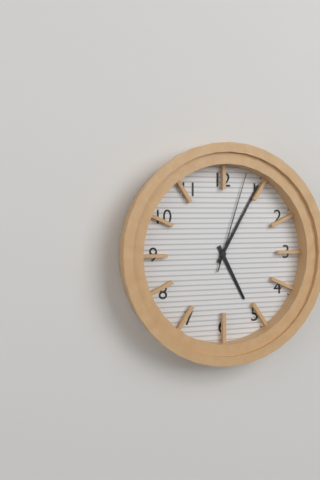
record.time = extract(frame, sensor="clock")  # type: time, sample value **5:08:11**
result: **5:05:03**
